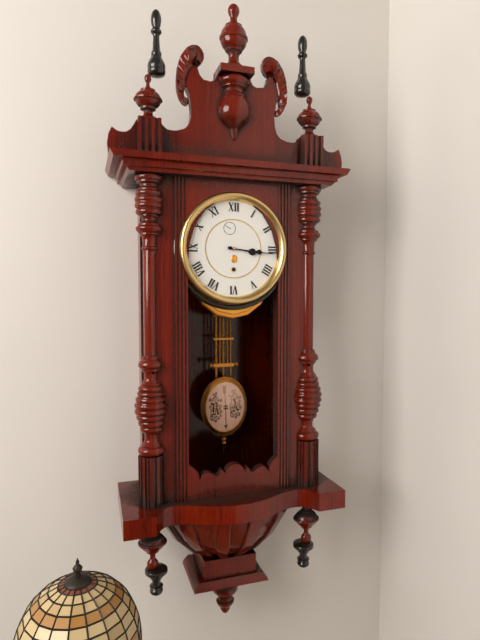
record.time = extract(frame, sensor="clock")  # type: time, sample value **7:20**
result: **3:16**
